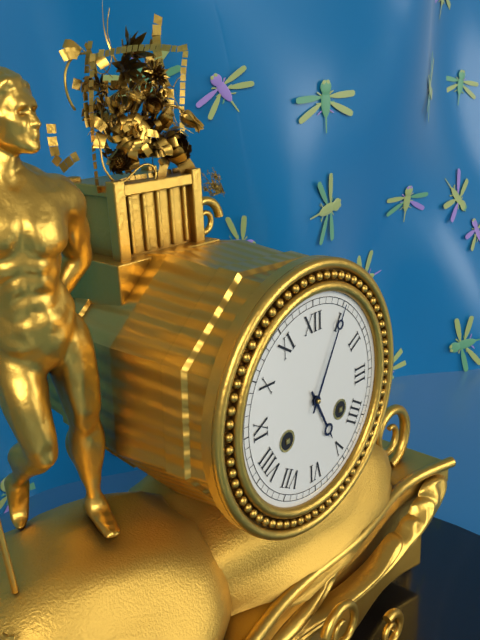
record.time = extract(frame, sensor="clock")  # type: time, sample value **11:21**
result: **5:05**
